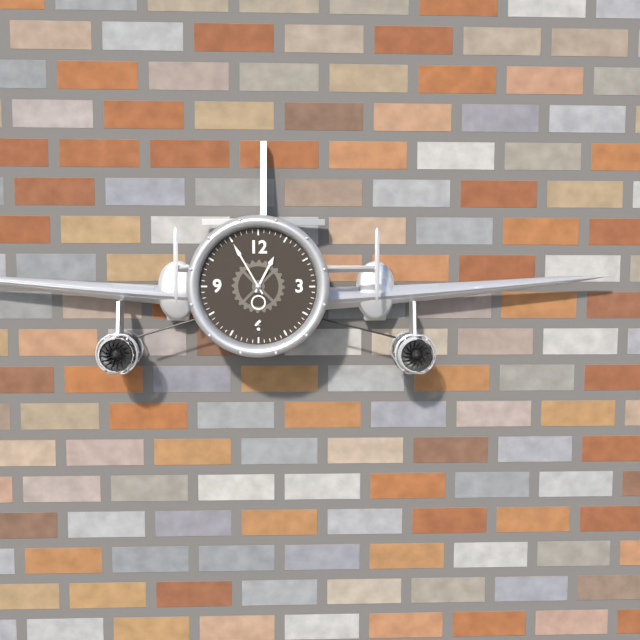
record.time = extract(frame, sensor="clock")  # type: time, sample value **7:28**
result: **12:55**
